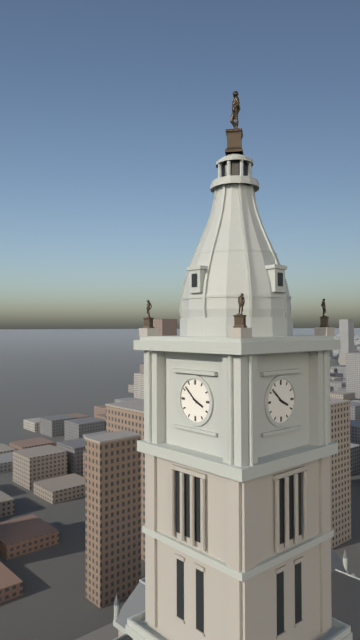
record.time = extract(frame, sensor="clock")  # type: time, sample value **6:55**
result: **3:52**
